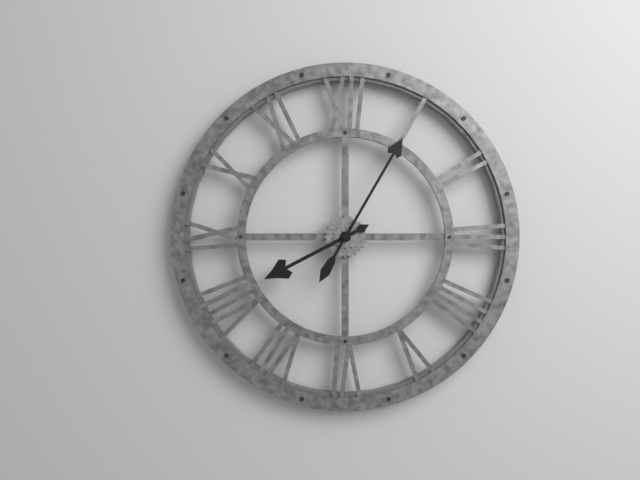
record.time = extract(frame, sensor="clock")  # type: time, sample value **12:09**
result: **8:05**
